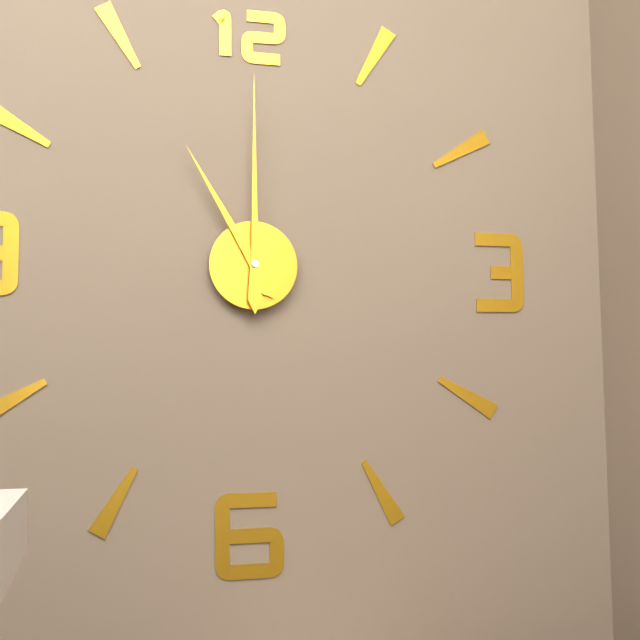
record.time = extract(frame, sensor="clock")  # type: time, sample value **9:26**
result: **11:00**
